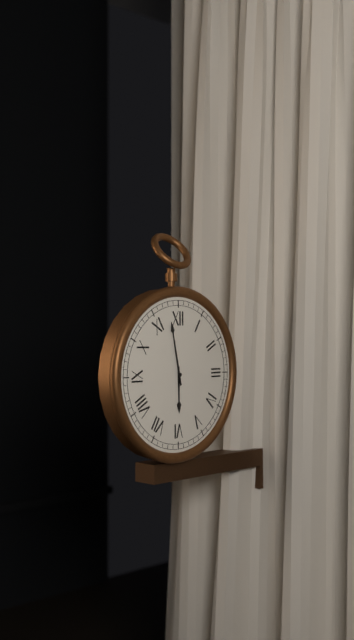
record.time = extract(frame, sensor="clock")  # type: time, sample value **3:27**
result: **5:58**
